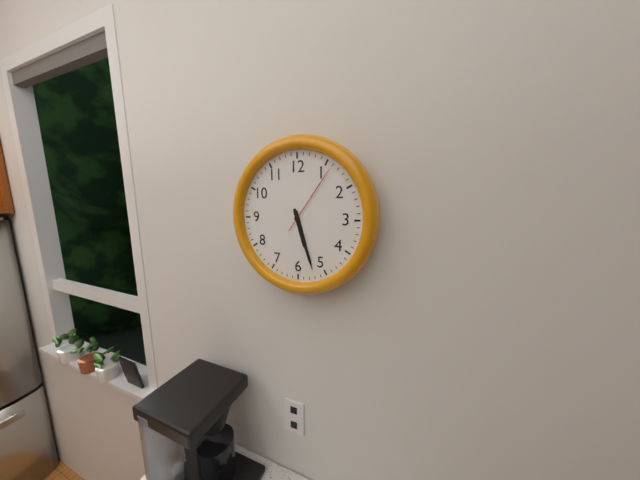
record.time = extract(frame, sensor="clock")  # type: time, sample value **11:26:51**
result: **5:27:06**
